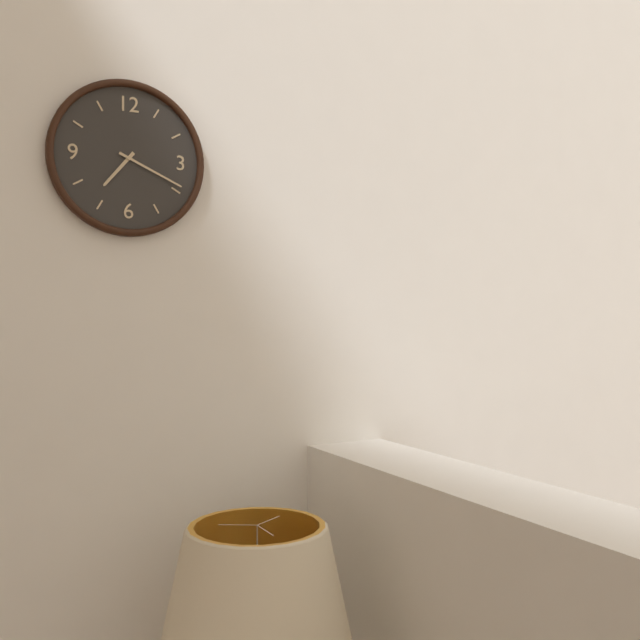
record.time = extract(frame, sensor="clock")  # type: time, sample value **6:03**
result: **7:19**
